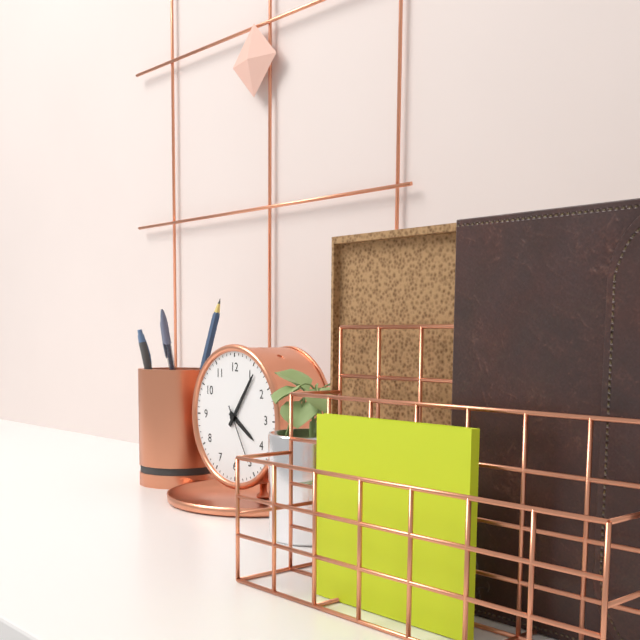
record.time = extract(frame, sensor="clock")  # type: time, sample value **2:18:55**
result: **4:06:25**
